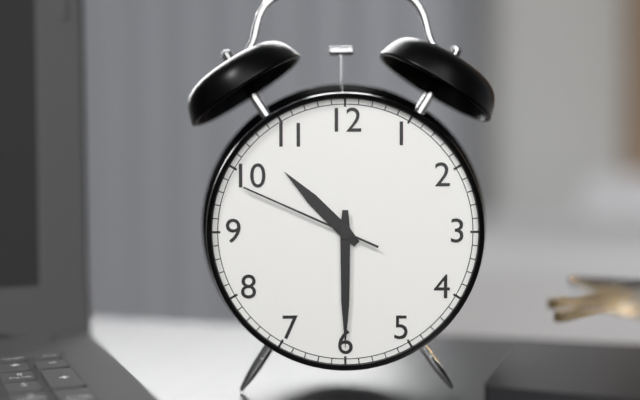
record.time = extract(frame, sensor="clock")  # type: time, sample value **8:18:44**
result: **10:30:49**
